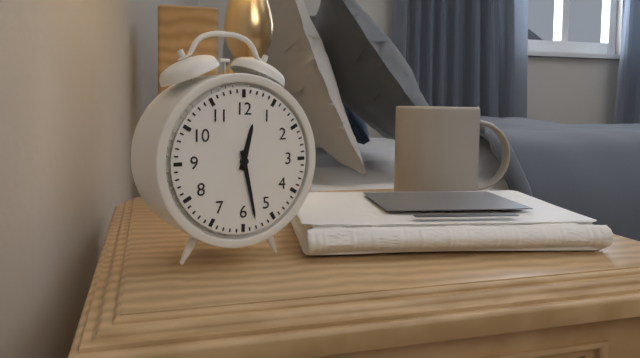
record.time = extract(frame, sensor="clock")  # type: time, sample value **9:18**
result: **12:28**
